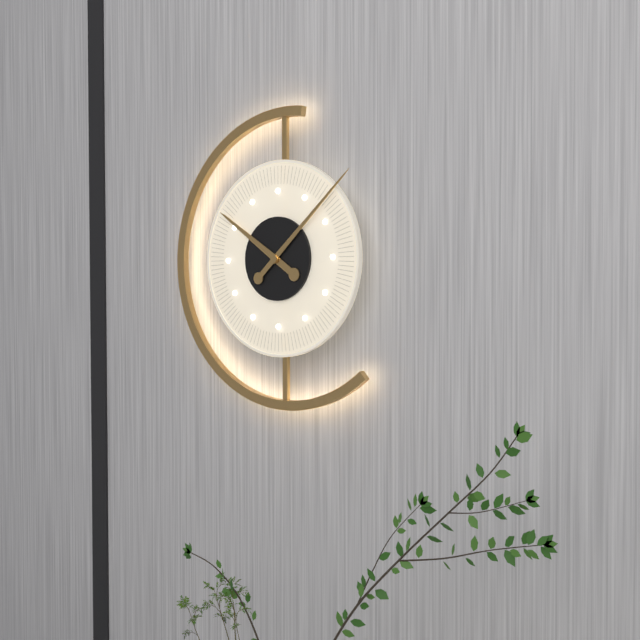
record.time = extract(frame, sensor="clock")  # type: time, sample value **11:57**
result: **10:08**
